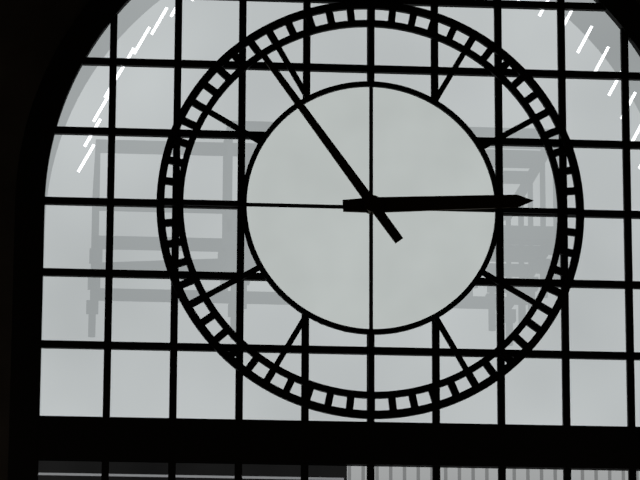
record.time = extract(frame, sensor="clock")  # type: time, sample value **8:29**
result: **2:54**
